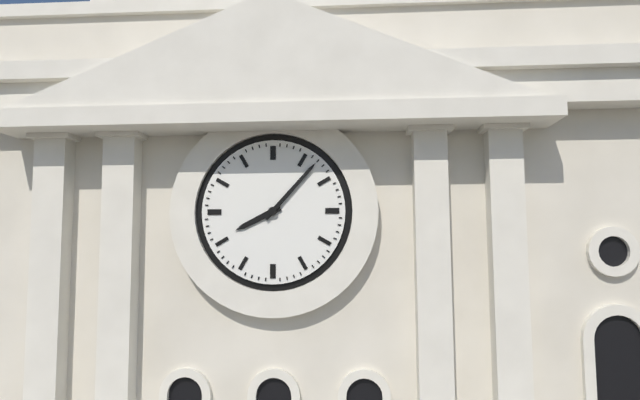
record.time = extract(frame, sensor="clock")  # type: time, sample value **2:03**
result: **8:07**
